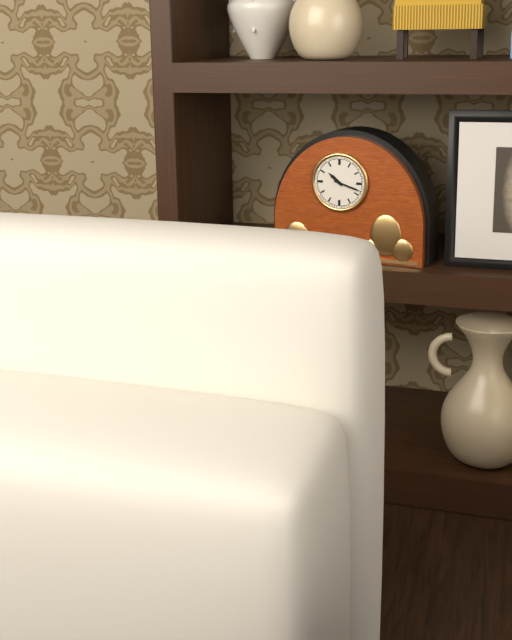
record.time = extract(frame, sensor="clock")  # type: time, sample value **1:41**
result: **10:18**
